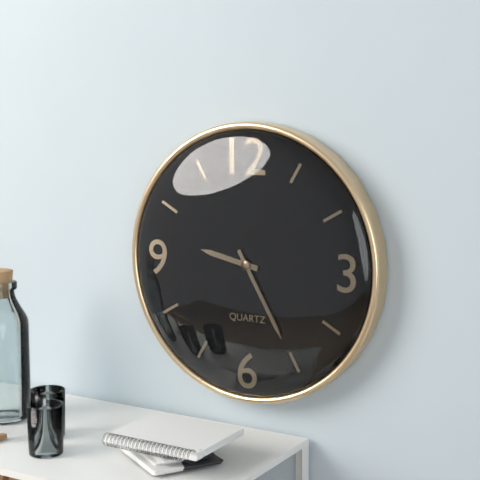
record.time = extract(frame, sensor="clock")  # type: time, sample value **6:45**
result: **9:25**
